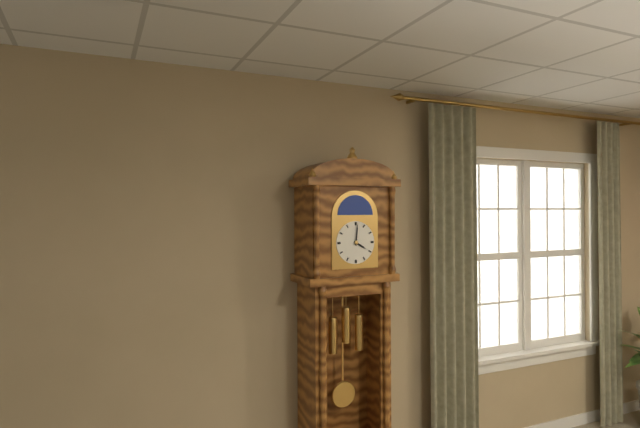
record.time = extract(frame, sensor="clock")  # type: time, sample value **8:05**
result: **4:01**
